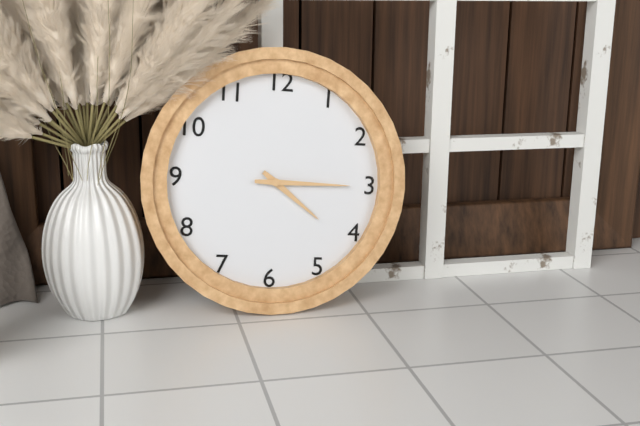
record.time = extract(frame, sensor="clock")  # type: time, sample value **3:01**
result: **4:15**
